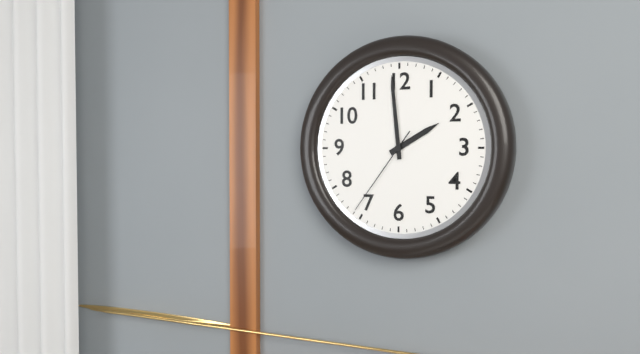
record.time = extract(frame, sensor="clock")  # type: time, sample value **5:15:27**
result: **1:59:36**
